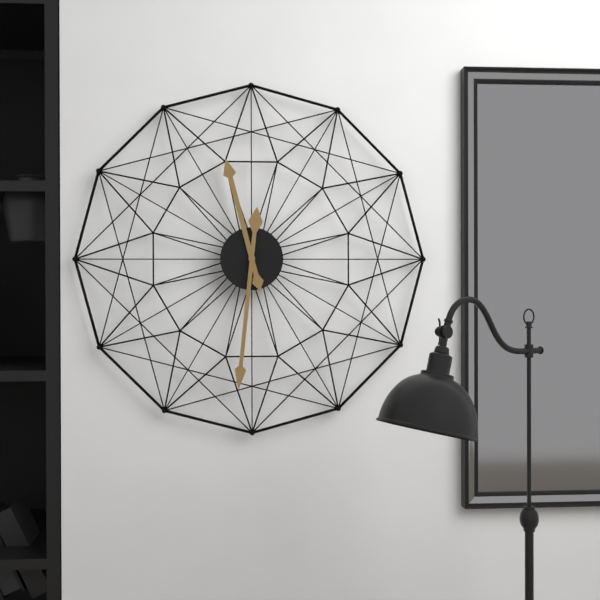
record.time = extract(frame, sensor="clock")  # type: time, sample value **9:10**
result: **11:31**
